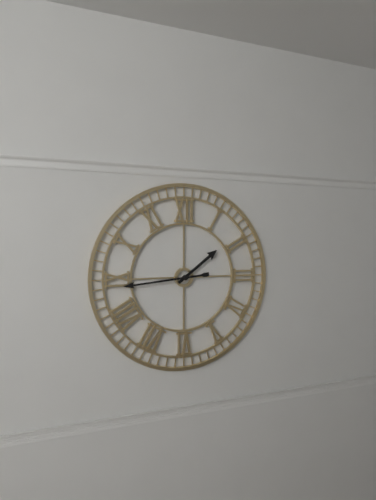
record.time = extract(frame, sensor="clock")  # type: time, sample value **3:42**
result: **1:44**
